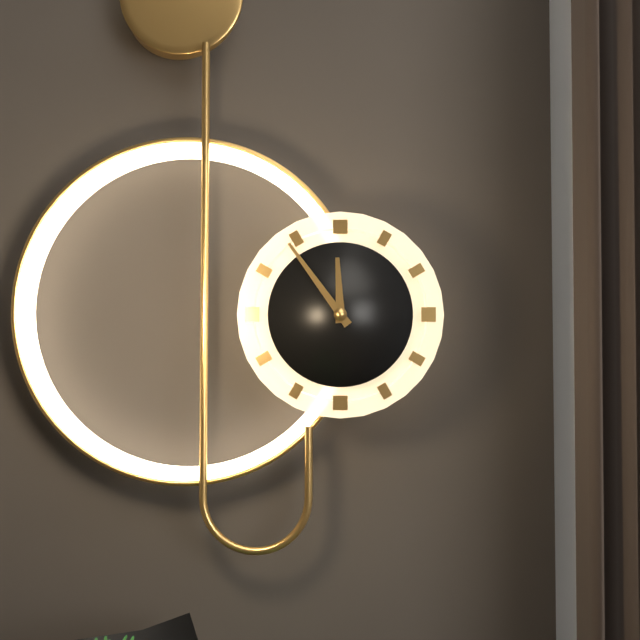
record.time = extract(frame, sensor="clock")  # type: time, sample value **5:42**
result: **11:54**
